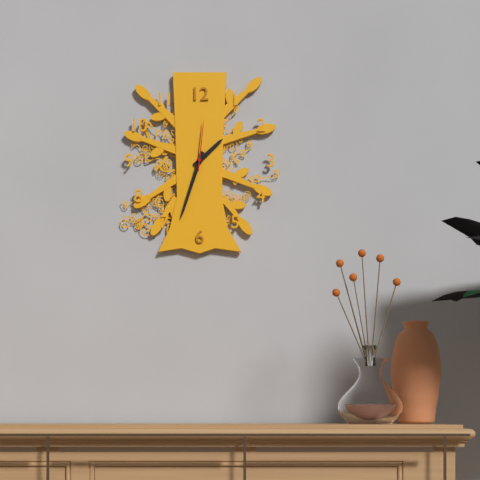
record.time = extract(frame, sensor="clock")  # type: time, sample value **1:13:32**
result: **1:33:01**
